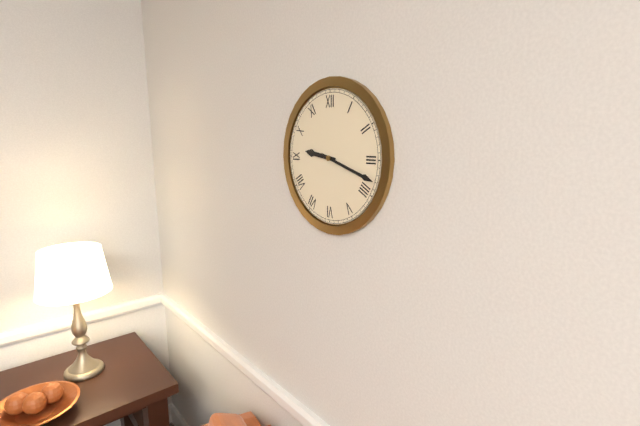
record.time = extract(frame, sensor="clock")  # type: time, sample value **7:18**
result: **9:18**
